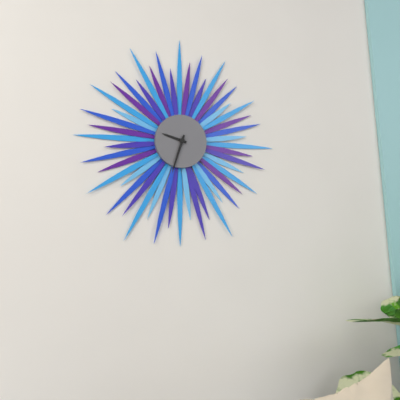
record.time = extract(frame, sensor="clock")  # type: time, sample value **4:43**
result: **9:33**
